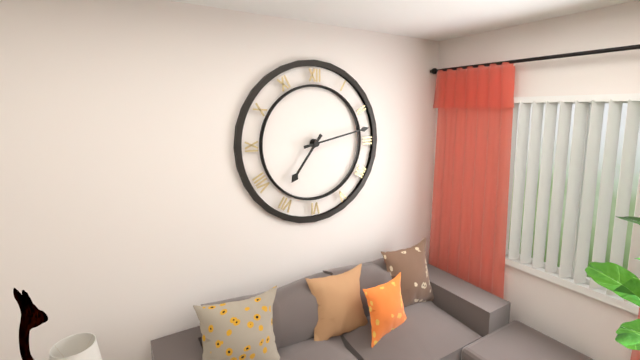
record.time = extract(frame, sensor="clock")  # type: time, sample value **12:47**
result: **7:13**
